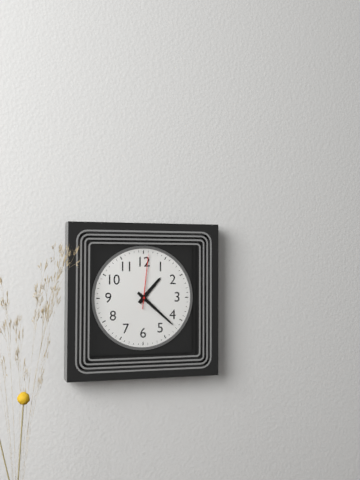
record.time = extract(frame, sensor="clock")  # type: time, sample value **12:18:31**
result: **1:22:01**
